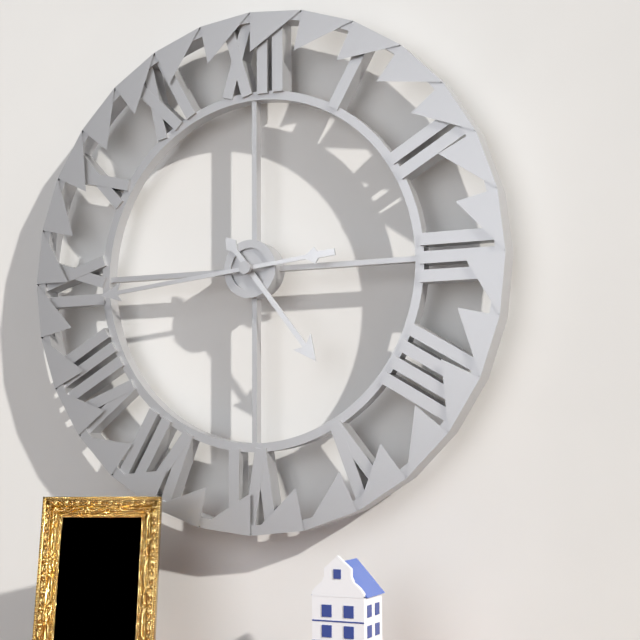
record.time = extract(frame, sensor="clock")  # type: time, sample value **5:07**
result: **4:44**
